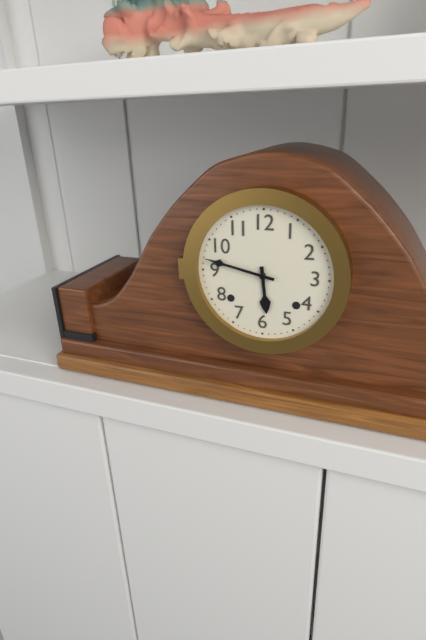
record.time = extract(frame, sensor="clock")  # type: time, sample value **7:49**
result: **5:47**
